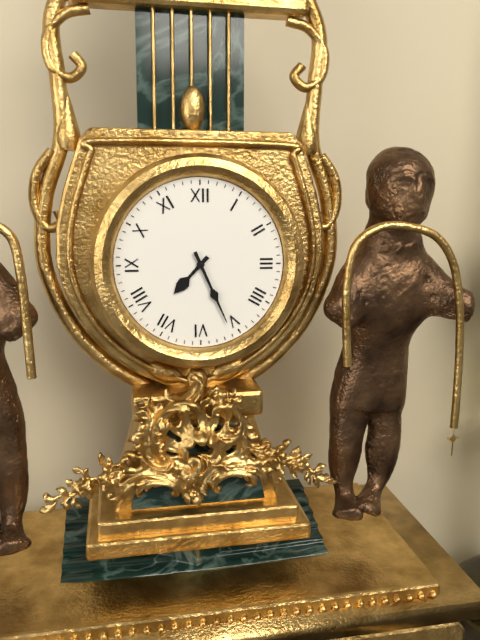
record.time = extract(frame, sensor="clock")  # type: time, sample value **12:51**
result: **7:26**
